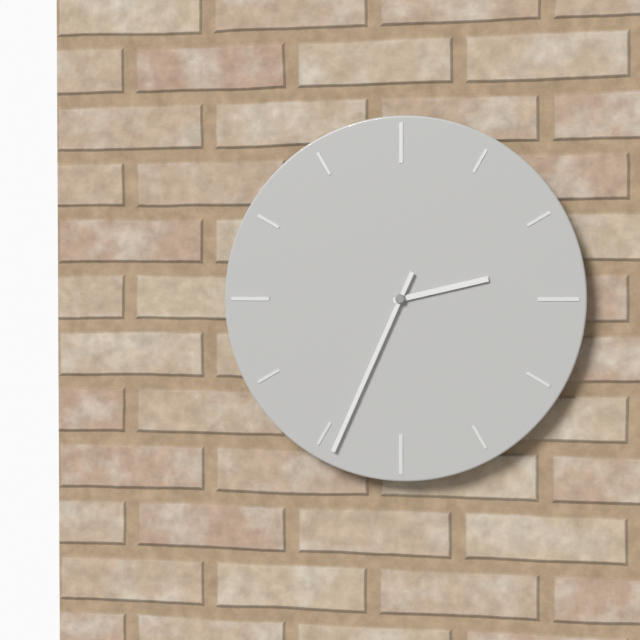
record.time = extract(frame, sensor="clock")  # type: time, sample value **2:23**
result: **2:34**
